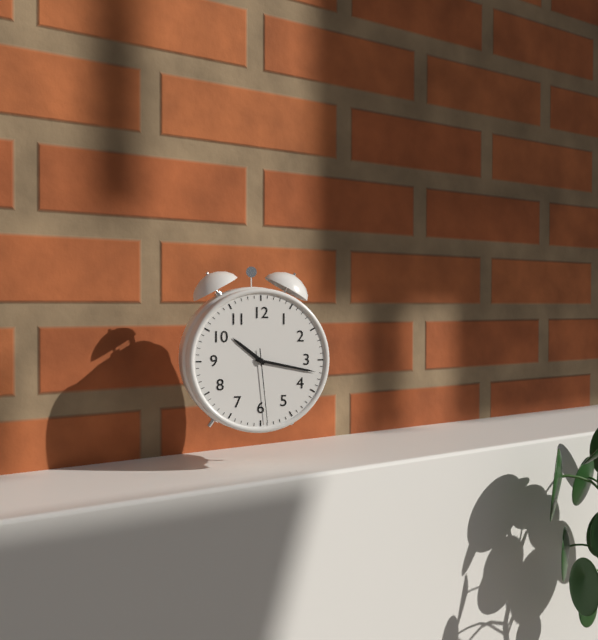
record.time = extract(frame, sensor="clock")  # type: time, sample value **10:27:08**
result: **10:17:29**
